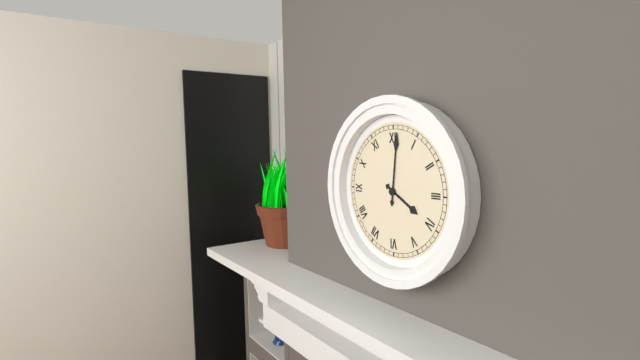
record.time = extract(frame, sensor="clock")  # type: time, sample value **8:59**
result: **4:01**
